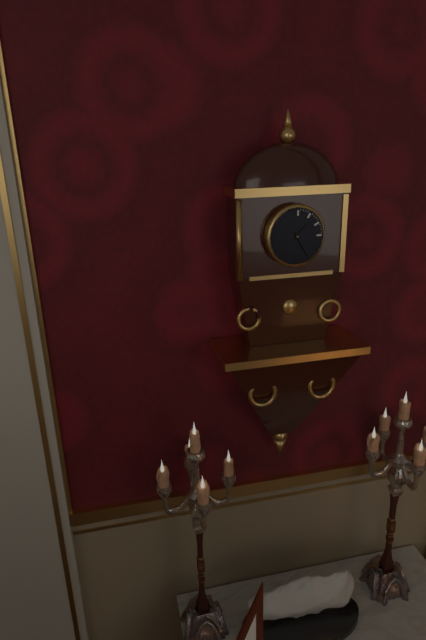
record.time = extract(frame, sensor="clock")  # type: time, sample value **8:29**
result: **1:25**
